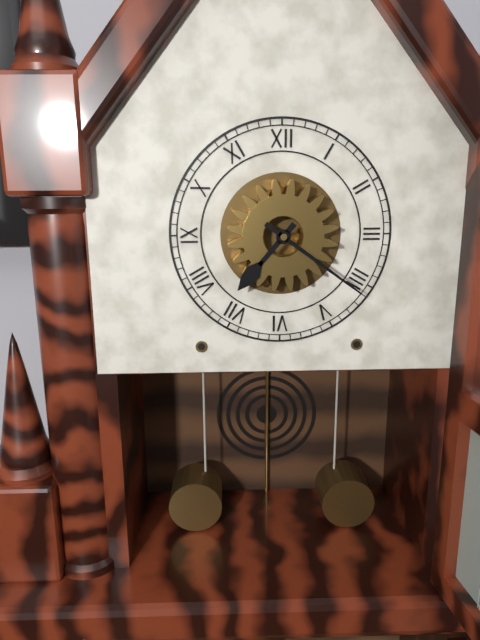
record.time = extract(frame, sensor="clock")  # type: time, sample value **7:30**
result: **7:21**
